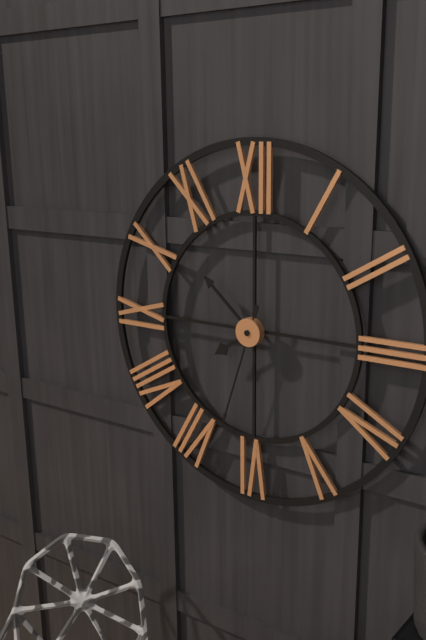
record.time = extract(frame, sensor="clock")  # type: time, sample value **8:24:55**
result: **7:52:33**
